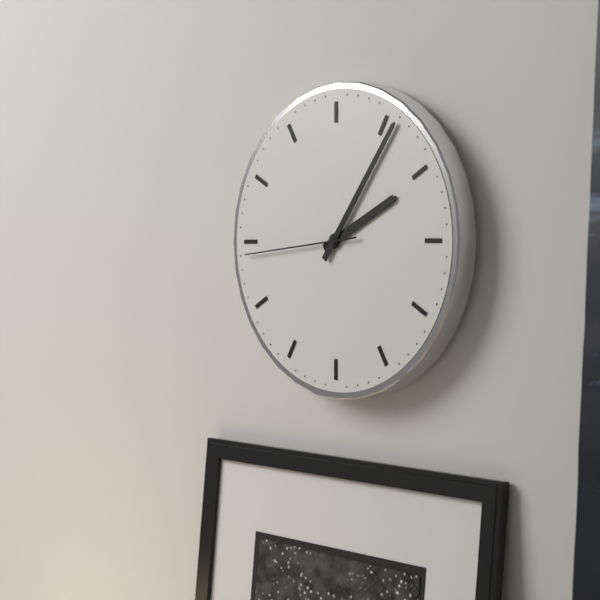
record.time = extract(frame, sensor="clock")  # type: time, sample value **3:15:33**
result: **2:06:44**
